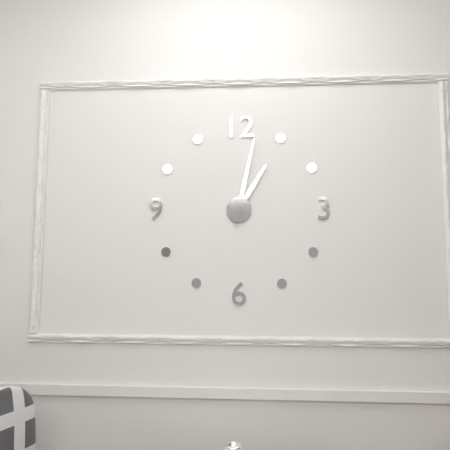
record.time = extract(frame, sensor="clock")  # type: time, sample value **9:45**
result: **1:02**
